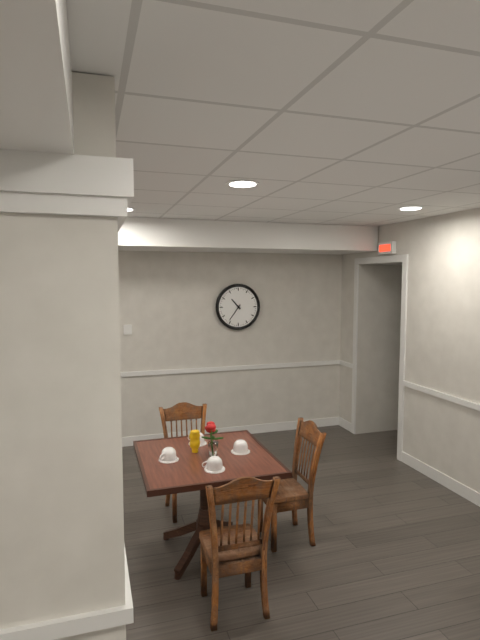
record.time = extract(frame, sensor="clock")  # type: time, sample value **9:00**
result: **10:36**
